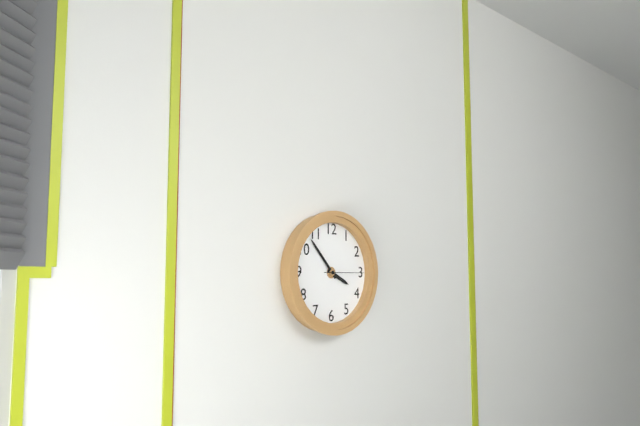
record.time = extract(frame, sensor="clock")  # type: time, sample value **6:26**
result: **3:53**
